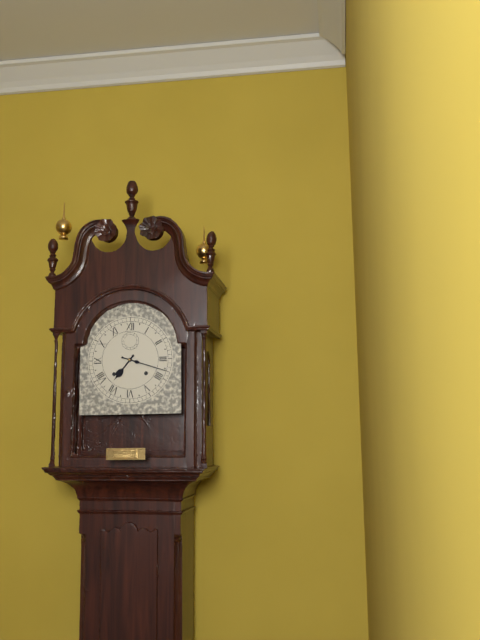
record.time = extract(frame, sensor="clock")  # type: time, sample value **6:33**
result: **7:18**
